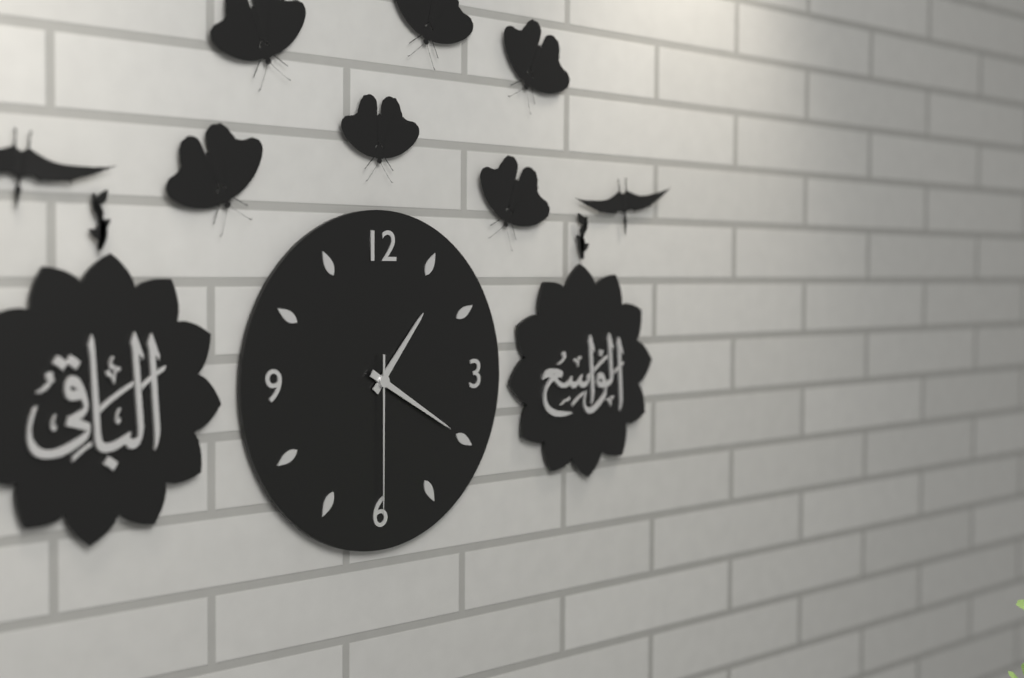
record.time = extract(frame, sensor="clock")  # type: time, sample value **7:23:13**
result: **1:20:30**
